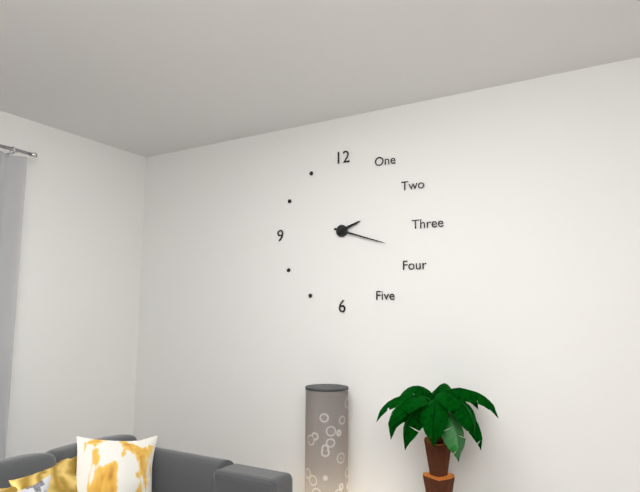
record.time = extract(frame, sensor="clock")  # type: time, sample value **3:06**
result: **2:18**
